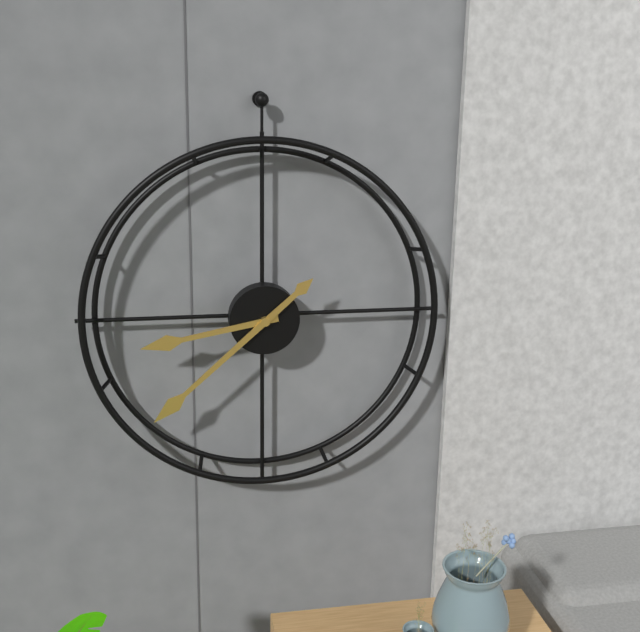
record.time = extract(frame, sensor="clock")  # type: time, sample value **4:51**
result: **8:38**
